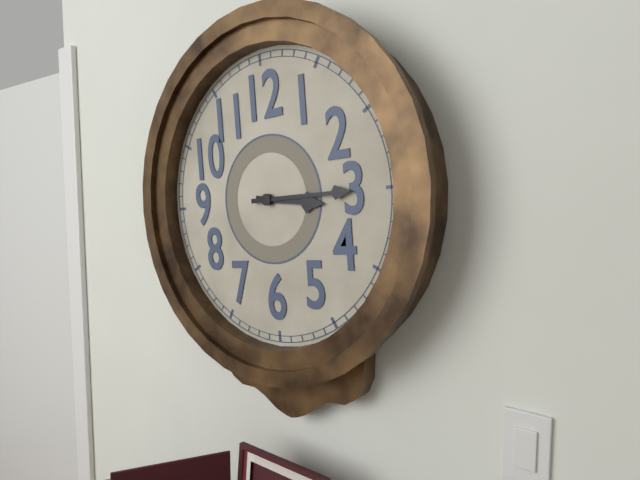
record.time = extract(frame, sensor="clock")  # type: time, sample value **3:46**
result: **3:15**
